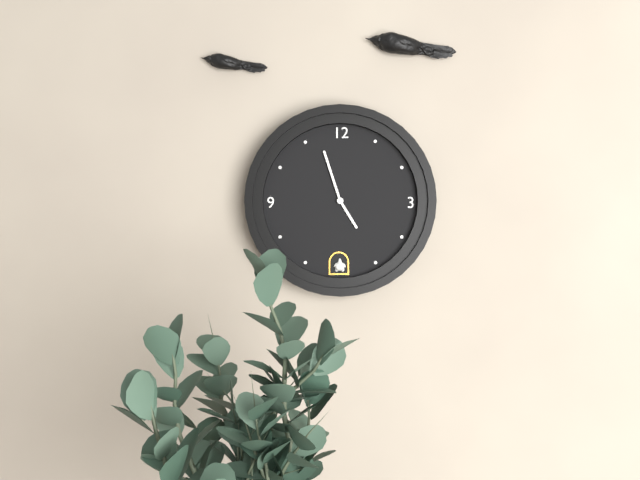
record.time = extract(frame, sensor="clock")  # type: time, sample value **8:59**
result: **4:57**
